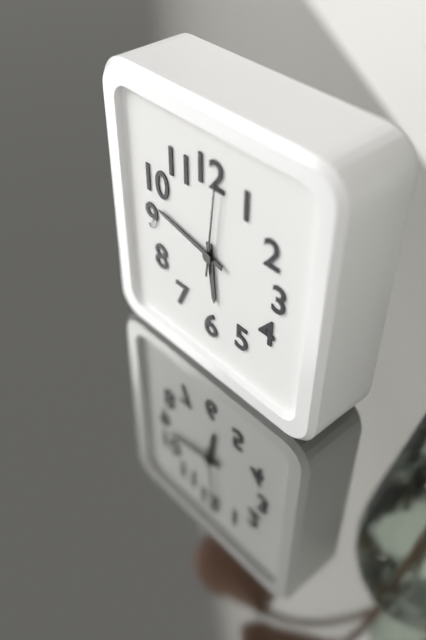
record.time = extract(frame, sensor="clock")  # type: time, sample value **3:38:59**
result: **5:47:01**
